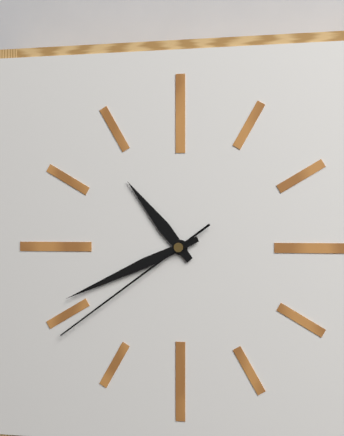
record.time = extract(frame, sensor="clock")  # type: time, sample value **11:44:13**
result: **10:41:39**
